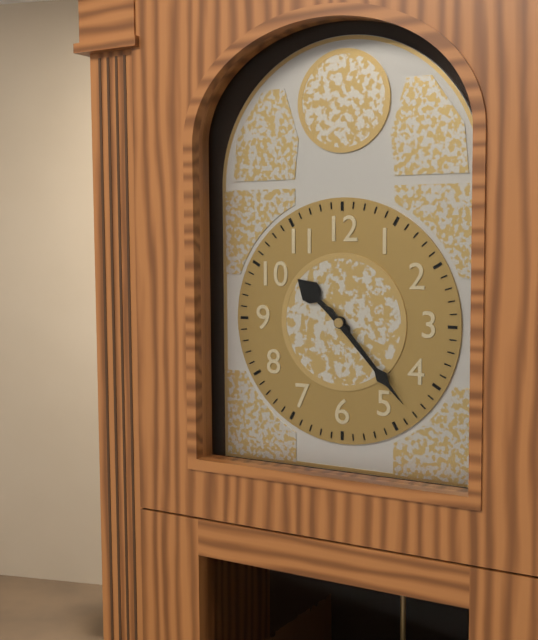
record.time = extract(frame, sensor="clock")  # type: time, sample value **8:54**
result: **10:23**
